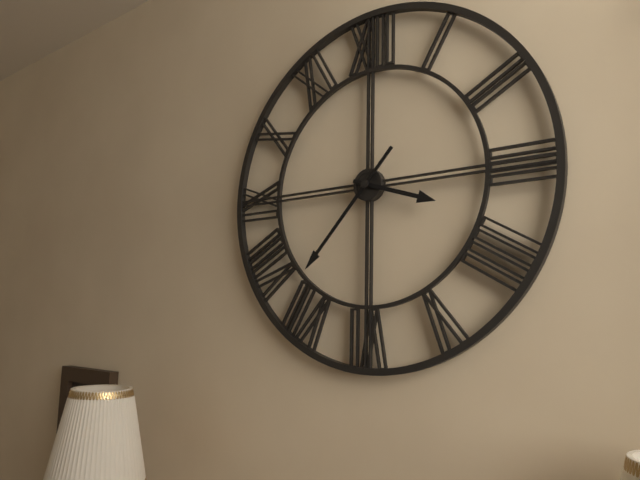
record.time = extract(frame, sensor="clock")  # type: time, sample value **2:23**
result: **3:37**
